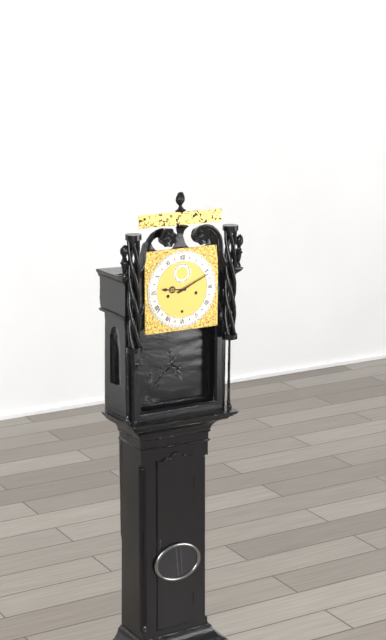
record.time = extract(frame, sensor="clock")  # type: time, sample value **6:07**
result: **9:11**
